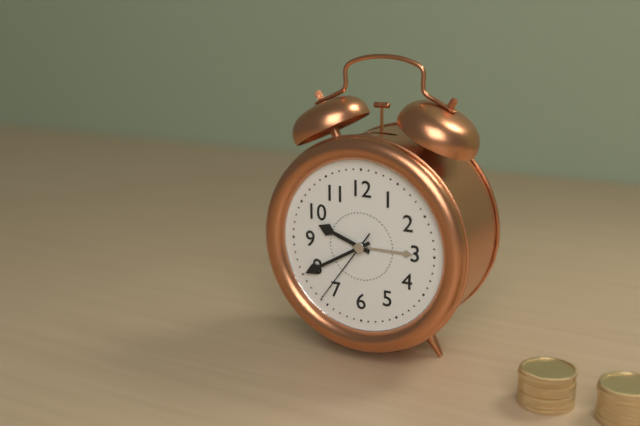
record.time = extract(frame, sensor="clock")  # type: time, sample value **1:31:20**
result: **9:40:36**
